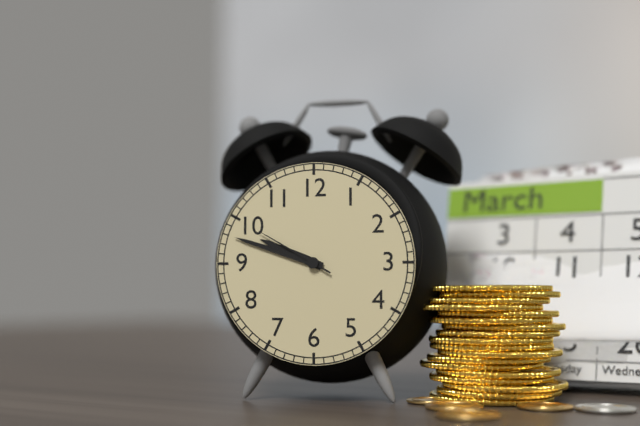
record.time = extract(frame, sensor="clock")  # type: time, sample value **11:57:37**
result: **9:48:50**
